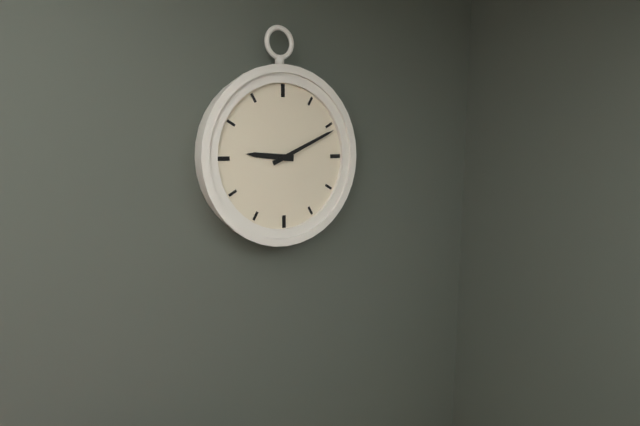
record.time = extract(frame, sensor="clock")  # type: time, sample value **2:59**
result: **9:11**
